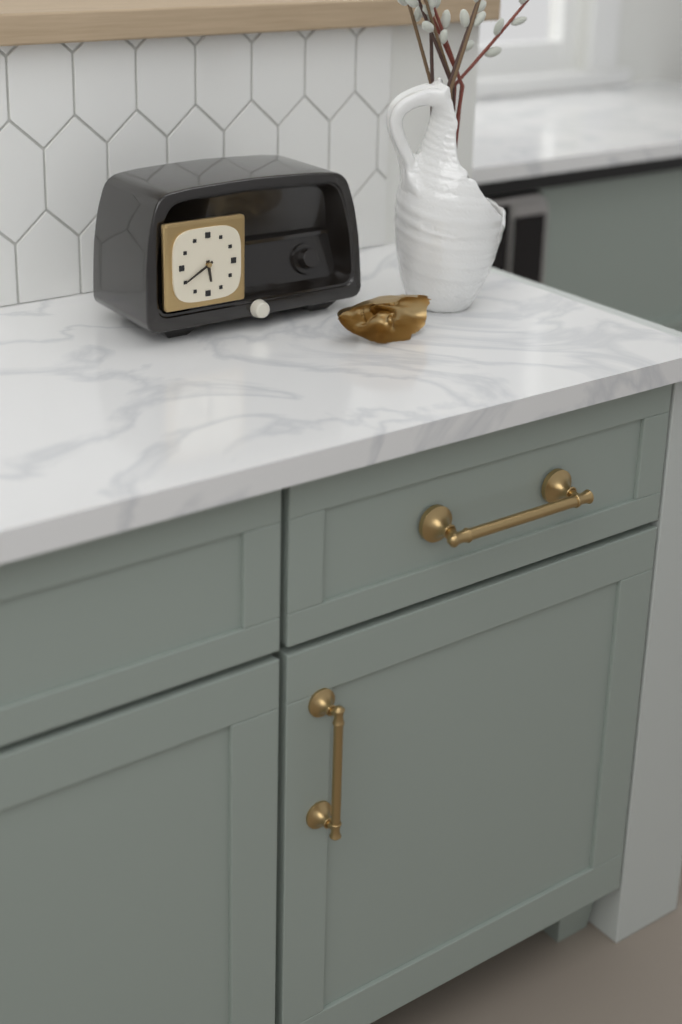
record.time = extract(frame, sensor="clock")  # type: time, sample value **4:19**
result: **5:40**
